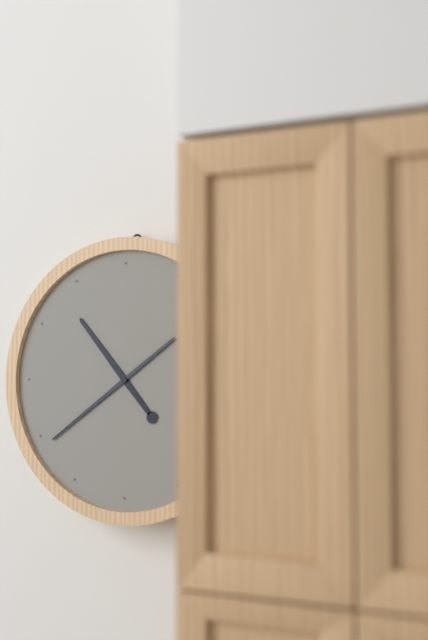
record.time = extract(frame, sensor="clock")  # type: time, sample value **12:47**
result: **10:39**
